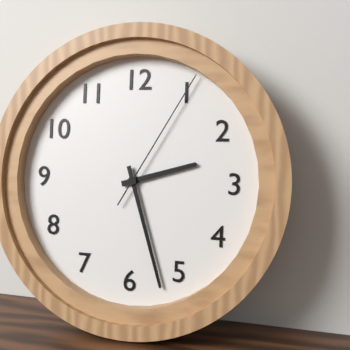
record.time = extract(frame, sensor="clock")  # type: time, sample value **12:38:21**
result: **2:27:05**
